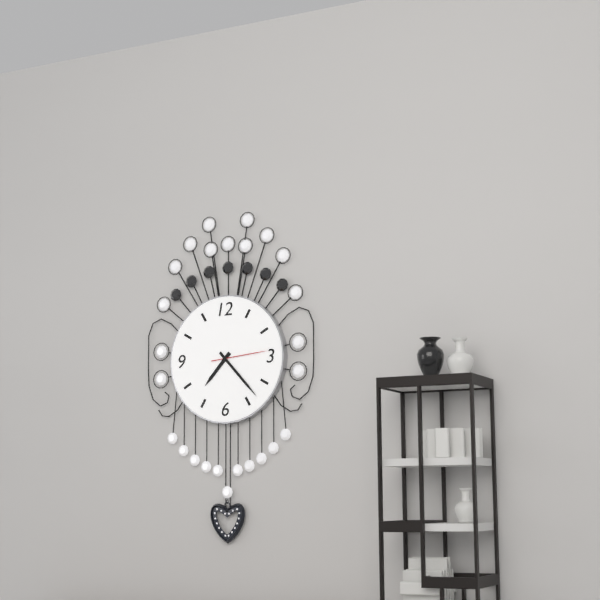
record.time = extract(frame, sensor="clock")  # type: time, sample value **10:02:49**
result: **7:23:14**
